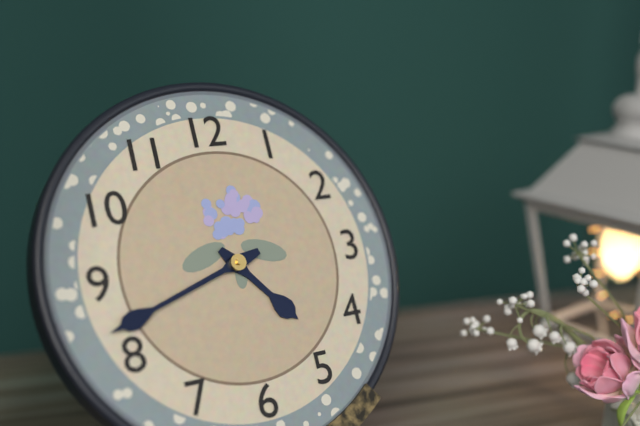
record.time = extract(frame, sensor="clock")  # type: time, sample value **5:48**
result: **4:42**
